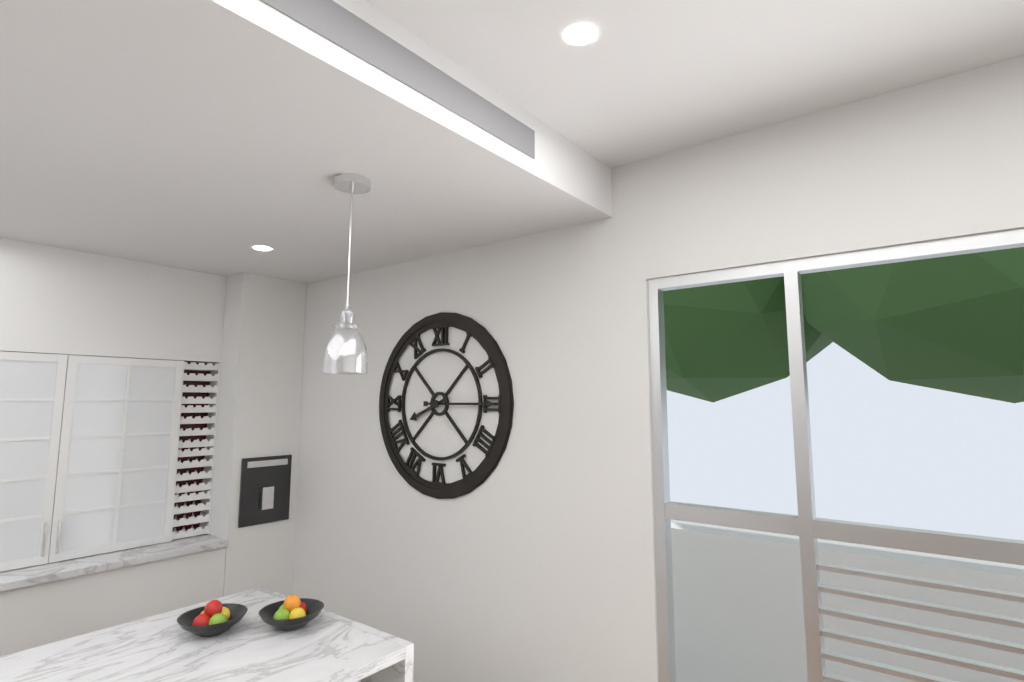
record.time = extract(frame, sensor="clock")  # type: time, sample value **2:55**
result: **8:15**
